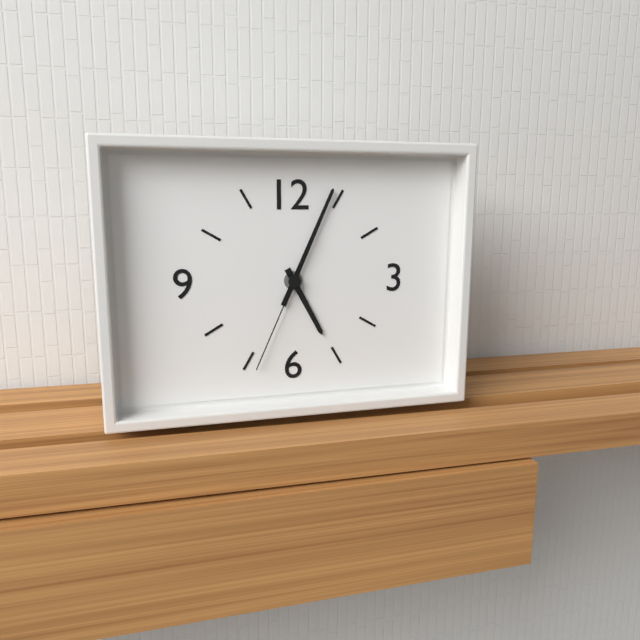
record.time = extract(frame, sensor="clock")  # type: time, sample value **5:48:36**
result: **5:04:34**
